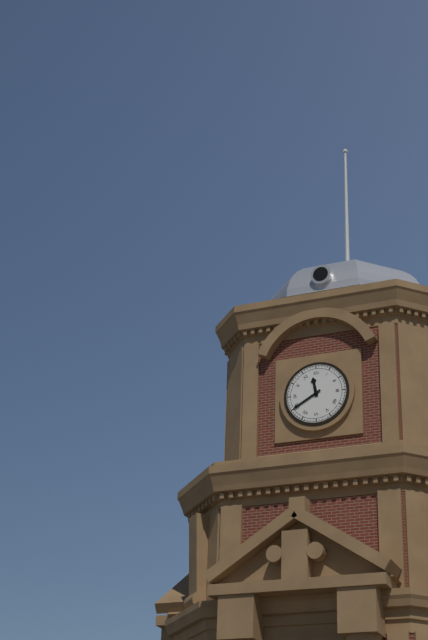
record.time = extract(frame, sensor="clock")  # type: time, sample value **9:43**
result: **11:40**
